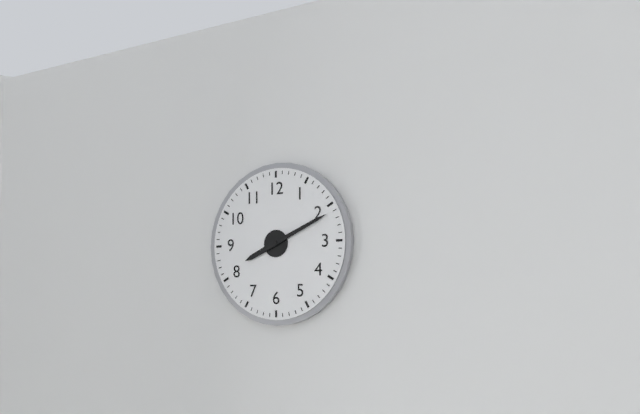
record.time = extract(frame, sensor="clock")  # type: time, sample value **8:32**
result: **8:11**
